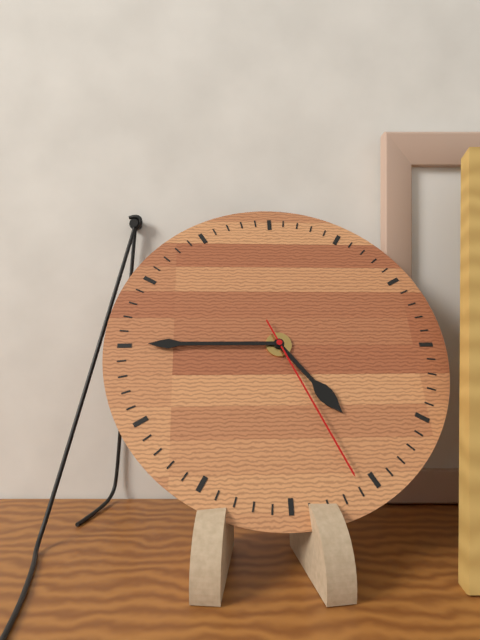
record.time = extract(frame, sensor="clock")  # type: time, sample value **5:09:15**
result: **4:45:26**
